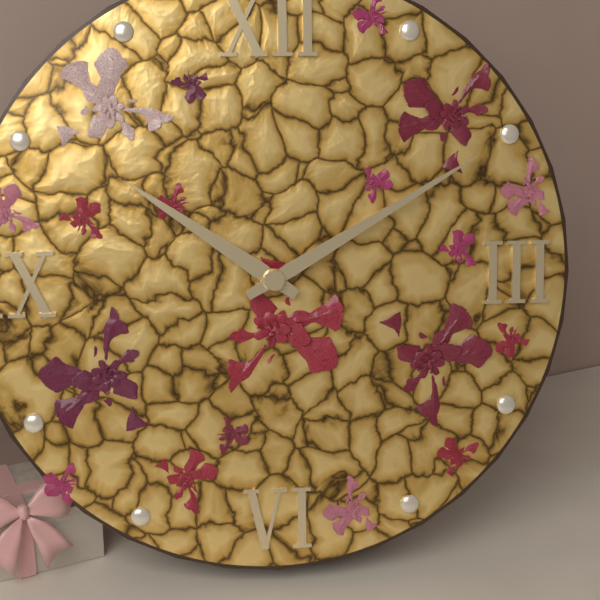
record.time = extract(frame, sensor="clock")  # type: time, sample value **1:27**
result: **10:10**
